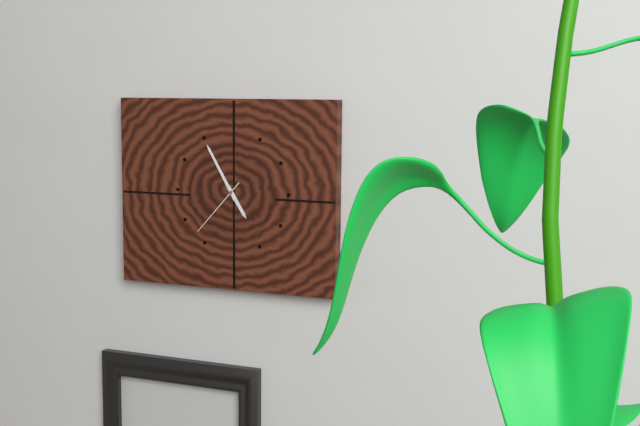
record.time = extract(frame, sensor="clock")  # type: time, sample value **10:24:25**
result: **4:55:37**
